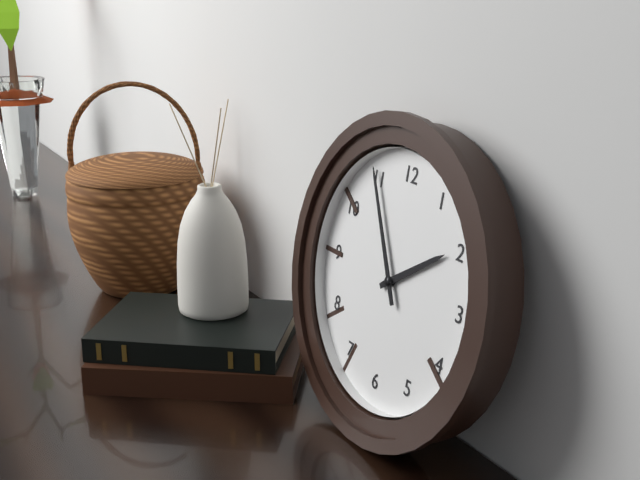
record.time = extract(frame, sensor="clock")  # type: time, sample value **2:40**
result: **1:55**
